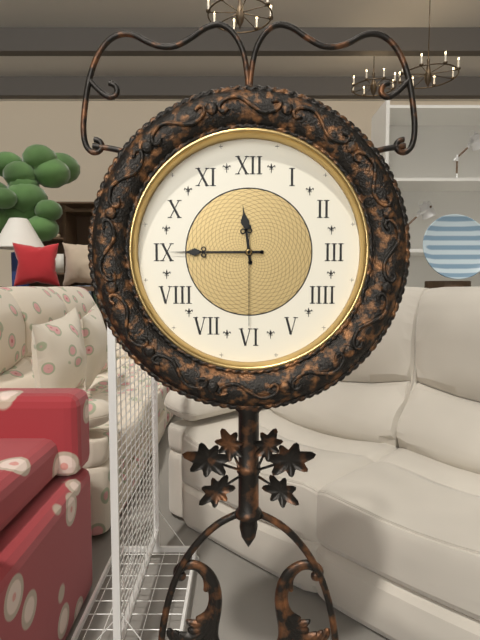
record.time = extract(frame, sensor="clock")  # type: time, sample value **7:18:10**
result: **11:45:30**
